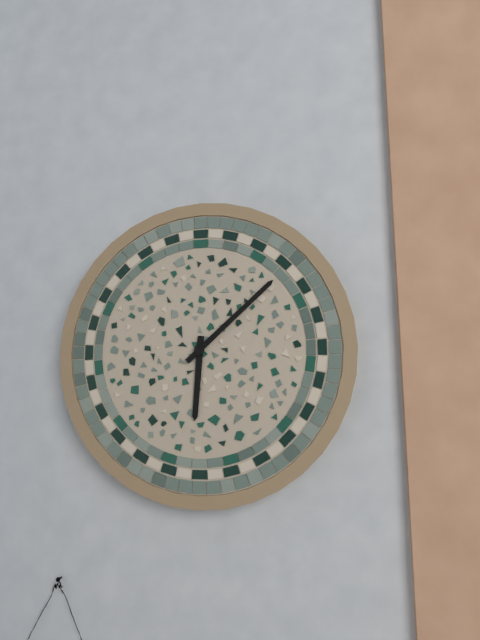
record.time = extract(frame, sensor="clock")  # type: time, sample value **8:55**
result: **6:08**
